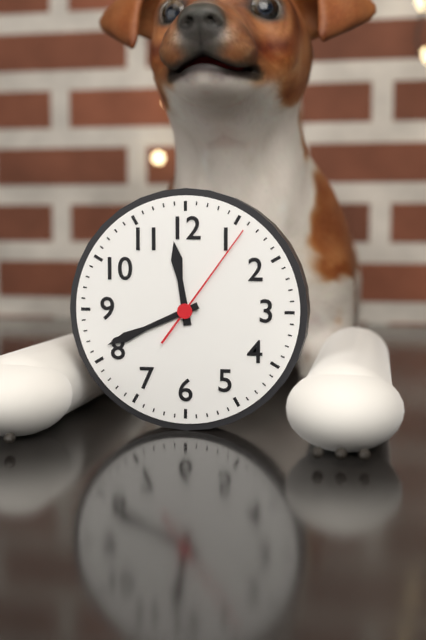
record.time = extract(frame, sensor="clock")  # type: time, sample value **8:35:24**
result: **11:41:06**
